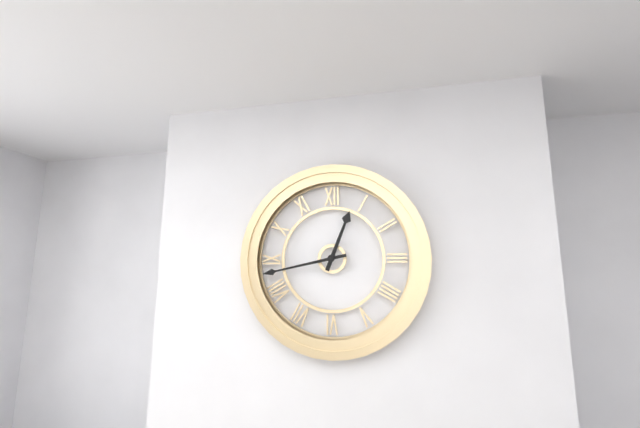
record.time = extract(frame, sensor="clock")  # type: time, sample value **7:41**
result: **12:43**
